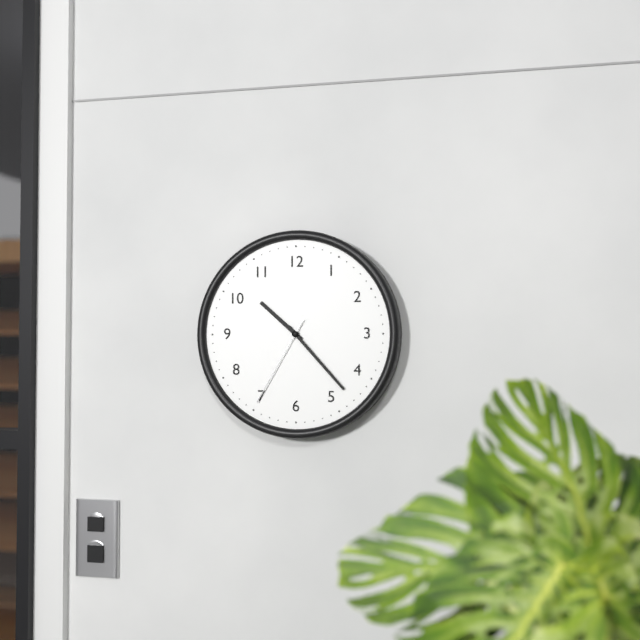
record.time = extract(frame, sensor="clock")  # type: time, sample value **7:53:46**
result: **10:23:35**
